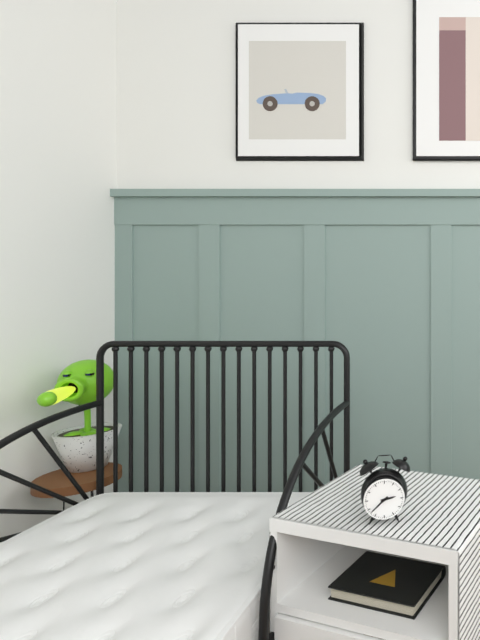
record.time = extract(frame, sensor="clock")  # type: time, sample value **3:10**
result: **2:38**
